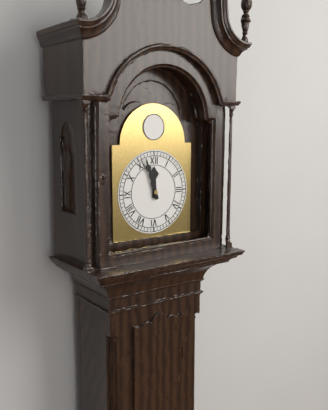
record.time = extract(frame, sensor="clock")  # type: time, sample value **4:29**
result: **11:57**
